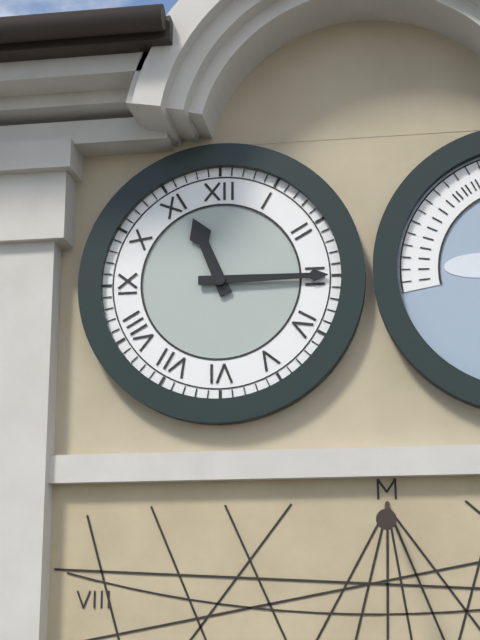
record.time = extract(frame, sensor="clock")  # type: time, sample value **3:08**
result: **11:15**
